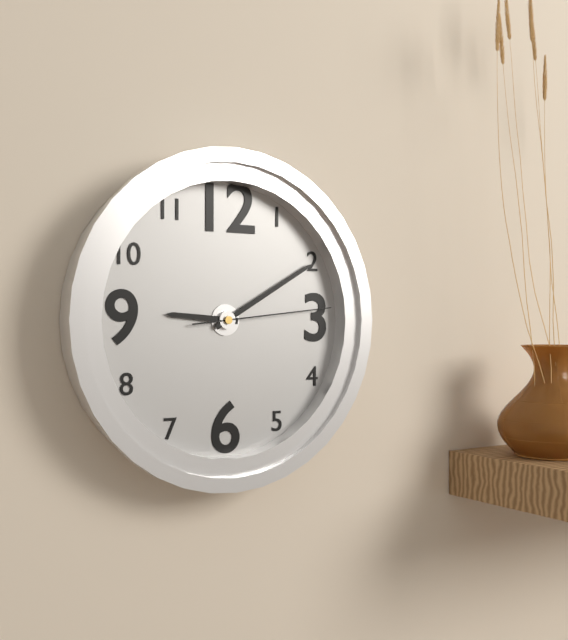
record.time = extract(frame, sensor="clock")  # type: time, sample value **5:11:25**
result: **9:10:14**
